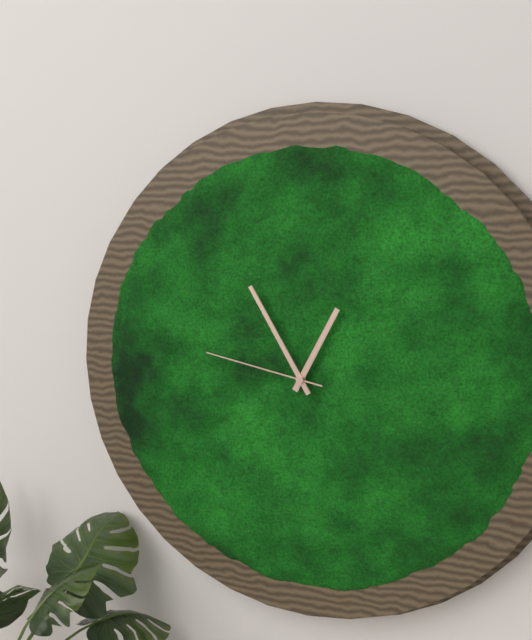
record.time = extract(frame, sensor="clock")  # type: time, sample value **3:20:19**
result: **12:55:47**
